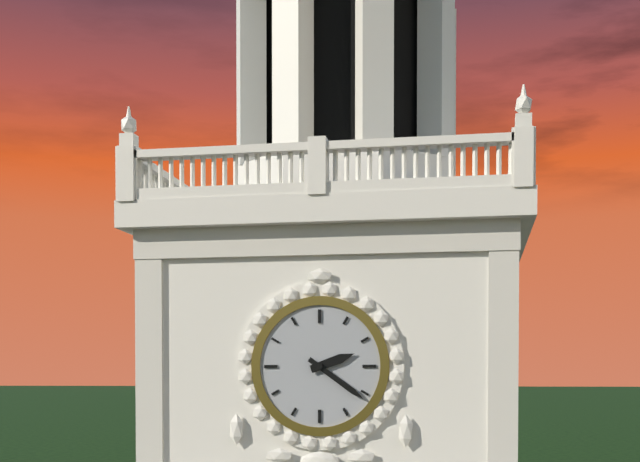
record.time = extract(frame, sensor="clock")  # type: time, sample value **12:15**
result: **2:21**
